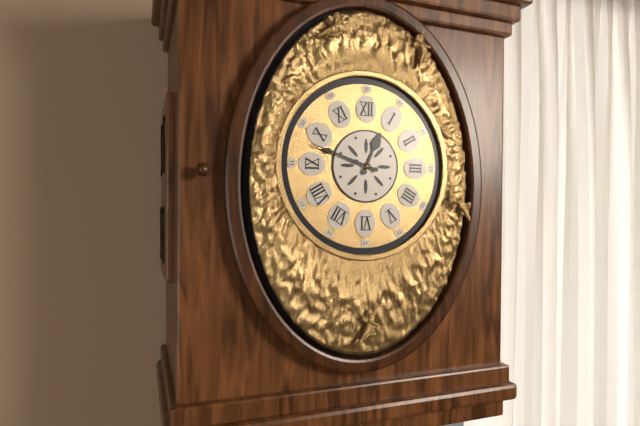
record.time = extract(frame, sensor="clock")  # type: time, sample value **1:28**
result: **12:48**
